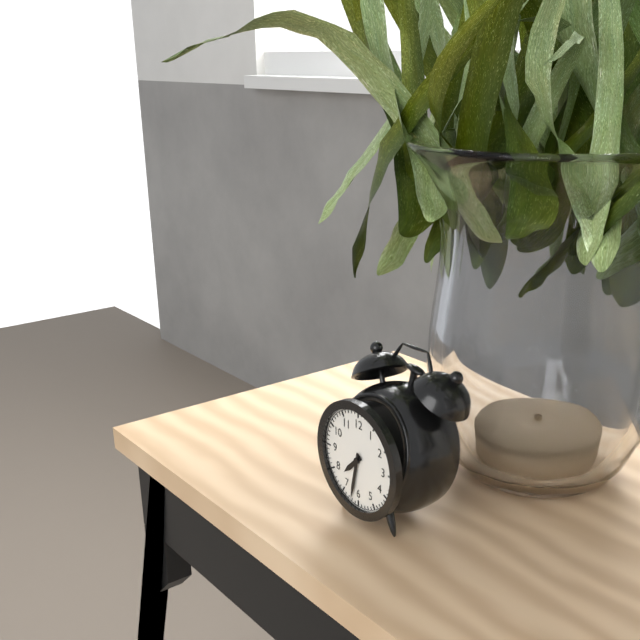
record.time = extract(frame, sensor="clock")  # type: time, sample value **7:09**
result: **7:32**
